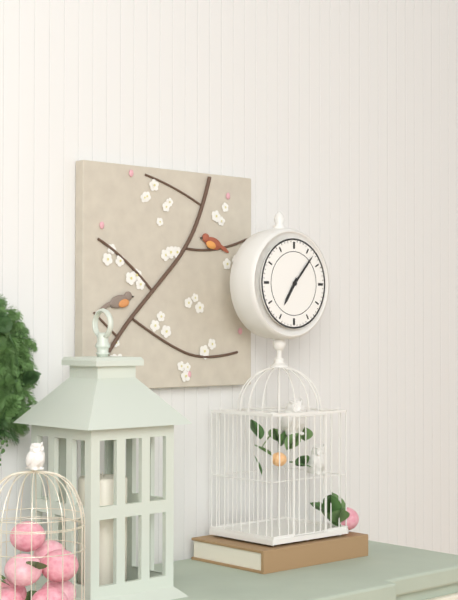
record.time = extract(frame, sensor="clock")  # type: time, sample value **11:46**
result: **7:07**
